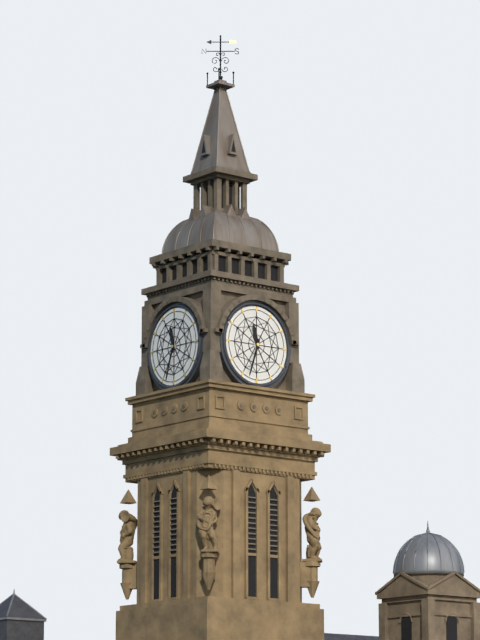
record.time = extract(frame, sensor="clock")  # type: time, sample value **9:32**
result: **11:33**
